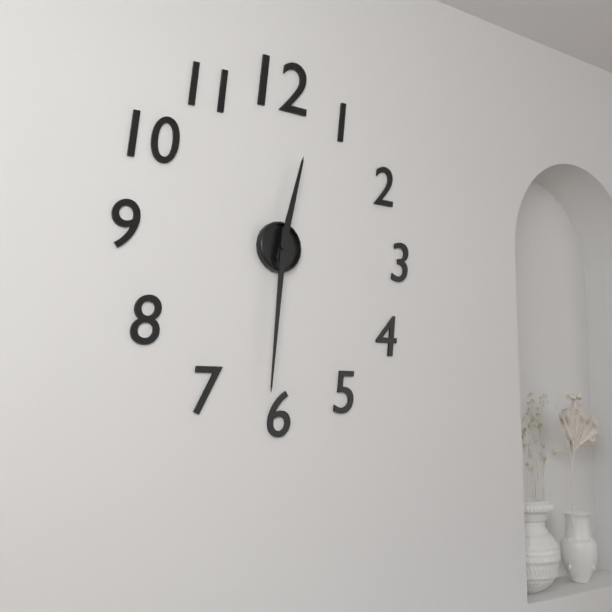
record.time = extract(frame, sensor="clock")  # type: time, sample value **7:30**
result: **12:31**
